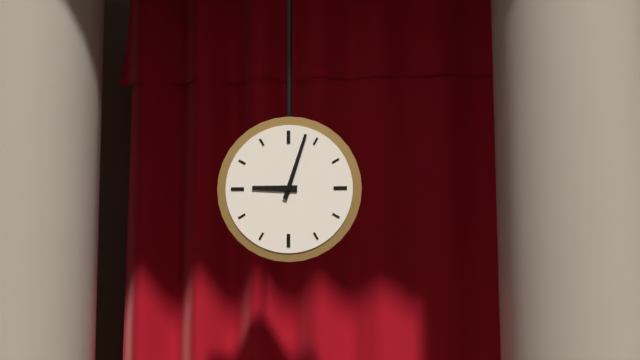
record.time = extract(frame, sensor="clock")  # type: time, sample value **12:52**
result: **9:03**
